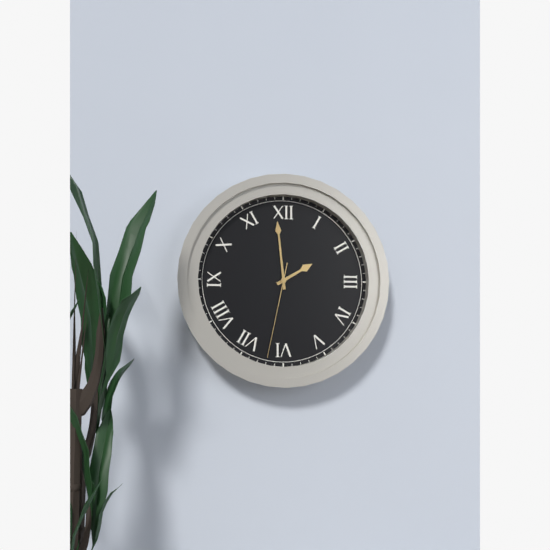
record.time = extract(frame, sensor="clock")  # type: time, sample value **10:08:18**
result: **1:59:32**
